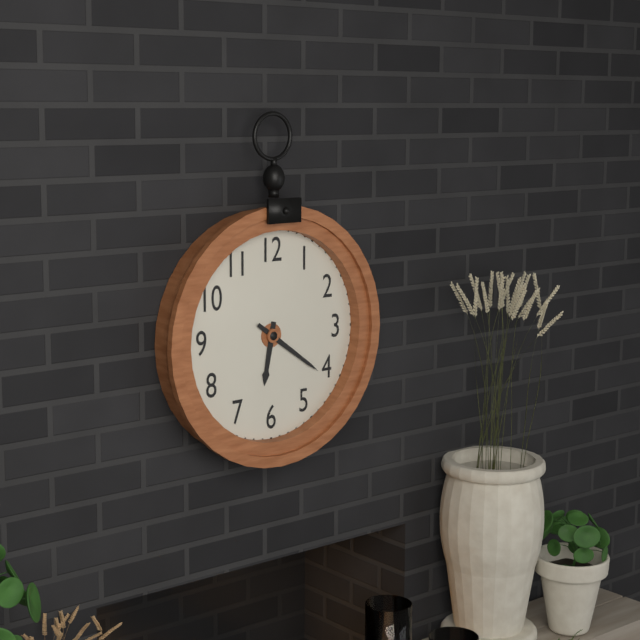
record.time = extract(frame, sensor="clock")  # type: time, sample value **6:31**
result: **6:21**
